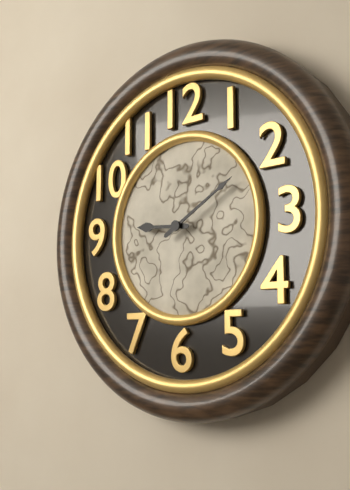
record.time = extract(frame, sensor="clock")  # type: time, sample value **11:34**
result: **9:10**
